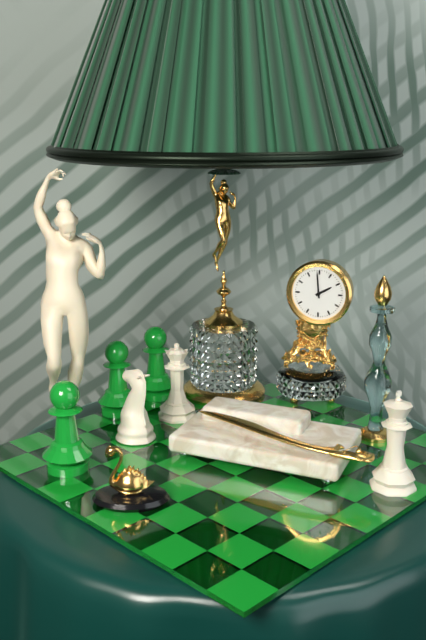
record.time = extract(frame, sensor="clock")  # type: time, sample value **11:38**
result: **1:59**
